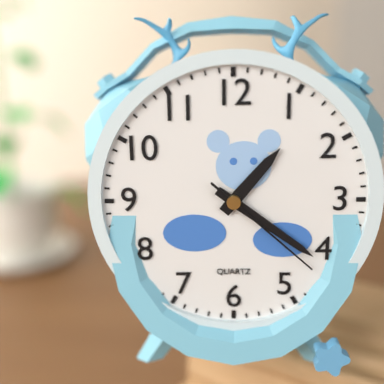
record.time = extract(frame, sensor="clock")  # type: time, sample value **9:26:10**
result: **1:21:22**
